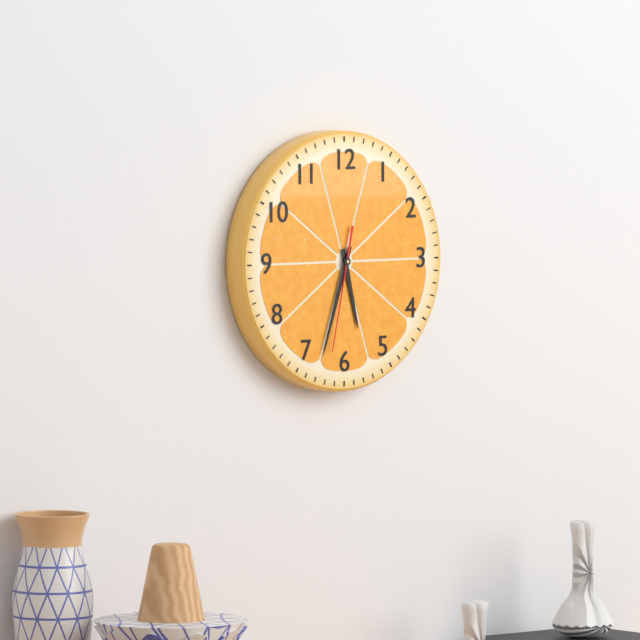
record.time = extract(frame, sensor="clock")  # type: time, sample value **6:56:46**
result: **5:33:32**
